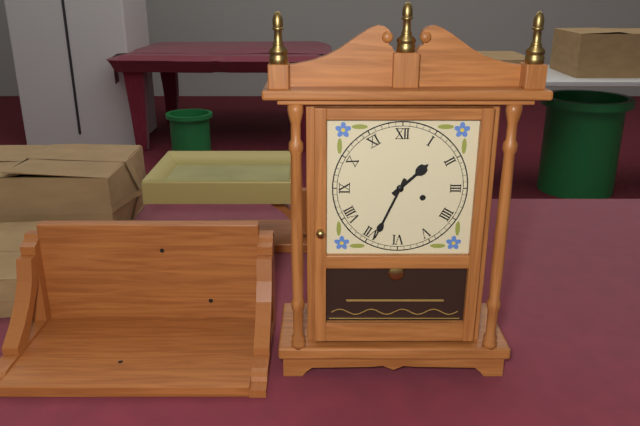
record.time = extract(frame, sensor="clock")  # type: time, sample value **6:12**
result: **1:34**
